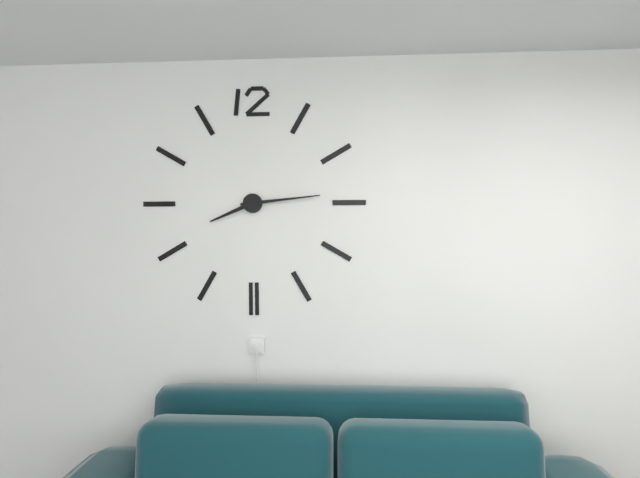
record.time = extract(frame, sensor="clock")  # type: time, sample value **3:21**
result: **8:14**
